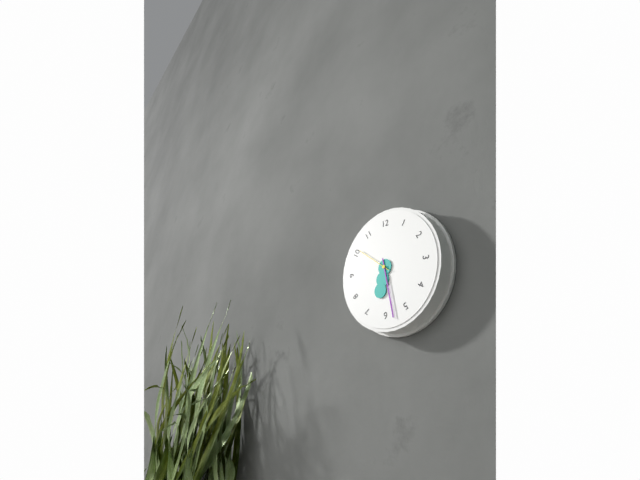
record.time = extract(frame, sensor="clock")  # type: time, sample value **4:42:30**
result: **6:28:51**
